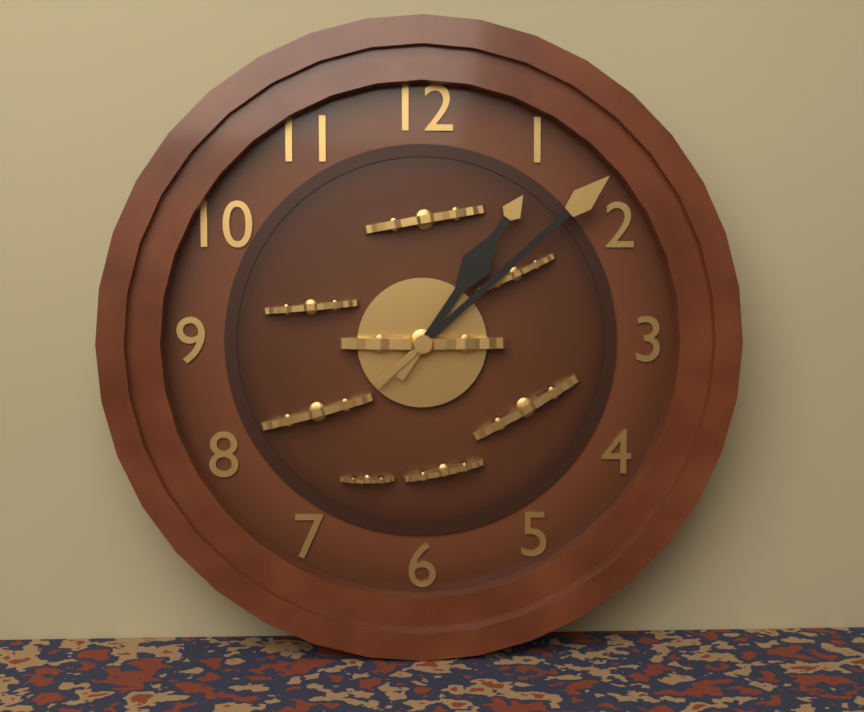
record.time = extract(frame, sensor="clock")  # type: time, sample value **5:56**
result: **1:08**
